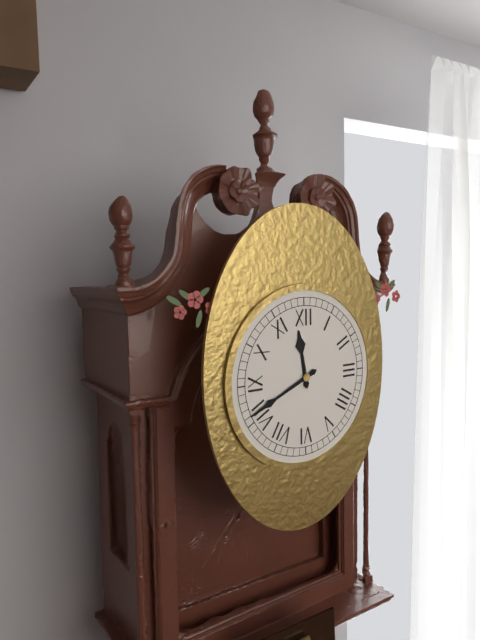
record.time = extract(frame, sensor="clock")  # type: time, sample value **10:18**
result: **11:41**
